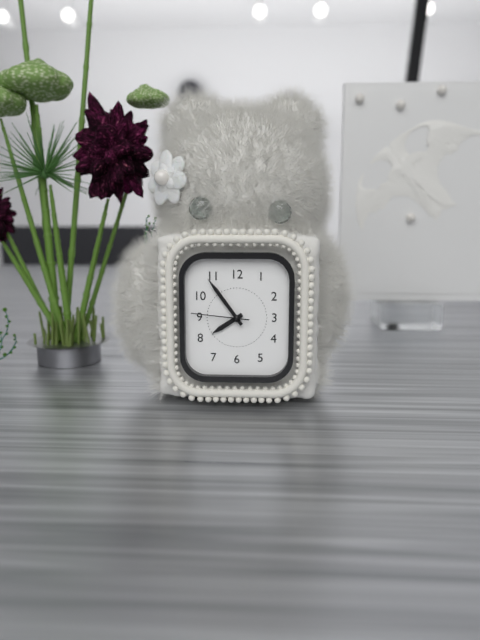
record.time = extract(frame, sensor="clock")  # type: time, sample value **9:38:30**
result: **7:54:46**
